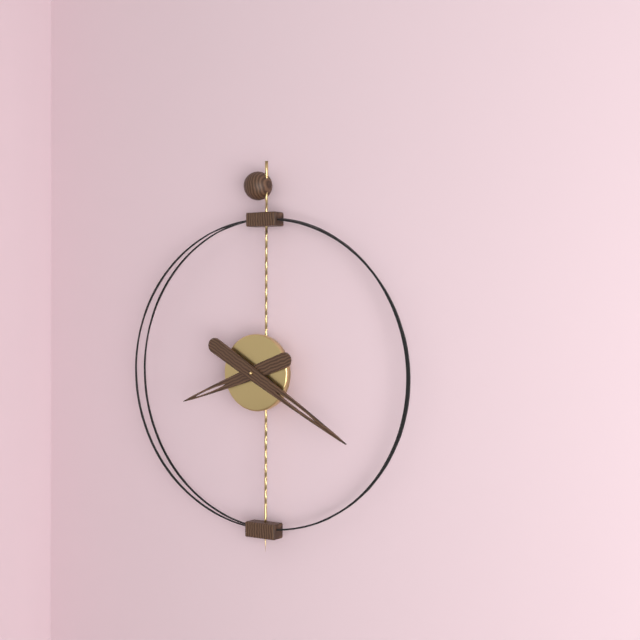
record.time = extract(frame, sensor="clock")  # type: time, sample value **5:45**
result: **8:20**
